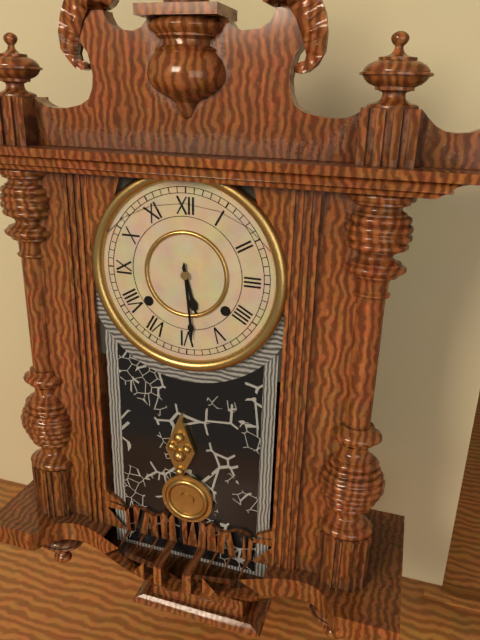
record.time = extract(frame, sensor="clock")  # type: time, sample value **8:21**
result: **5:29**
